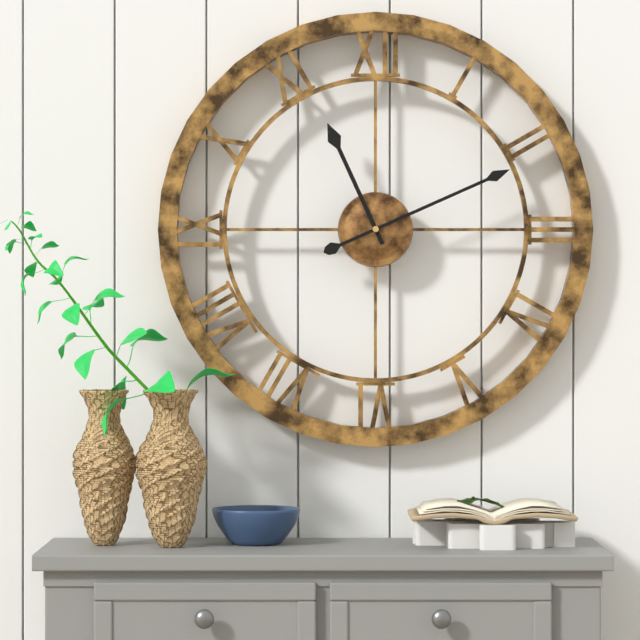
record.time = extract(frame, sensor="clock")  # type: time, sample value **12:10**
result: **11:11**
